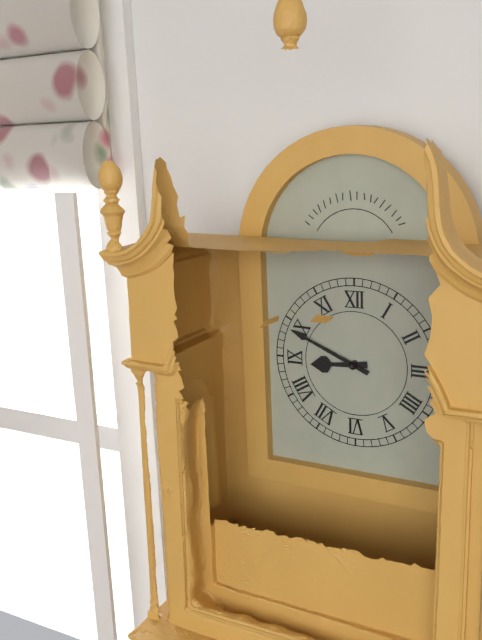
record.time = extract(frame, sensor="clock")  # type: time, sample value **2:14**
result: **8:49**
